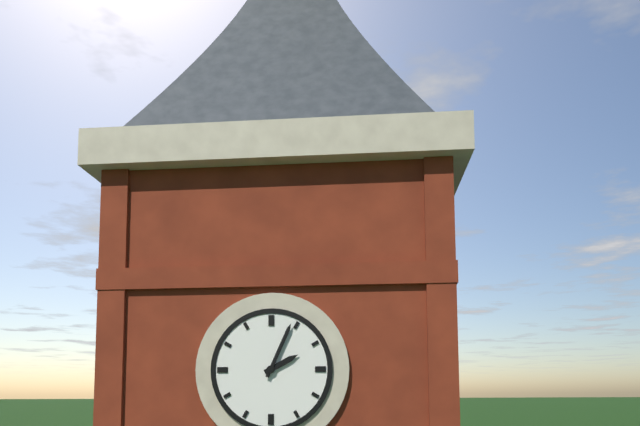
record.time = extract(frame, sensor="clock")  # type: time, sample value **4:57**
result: **2:04**
